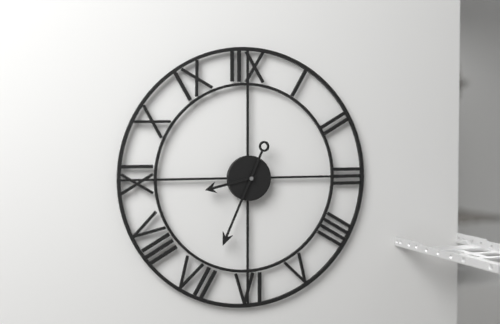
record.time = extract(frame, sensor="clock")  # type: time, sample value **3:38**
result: **8:34**
